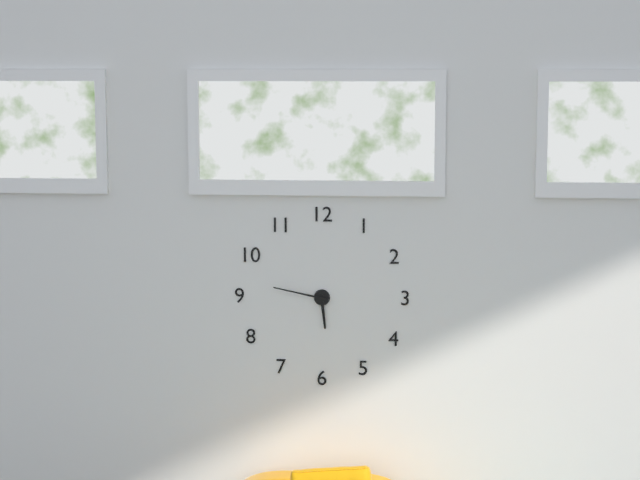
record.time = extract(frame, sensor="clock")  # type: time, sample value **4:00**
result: **5:47**
